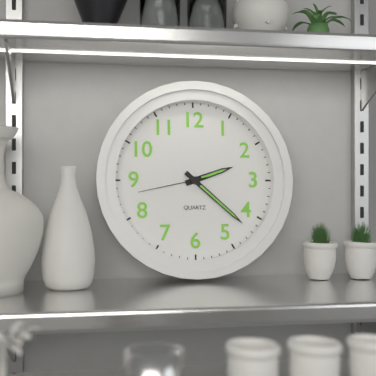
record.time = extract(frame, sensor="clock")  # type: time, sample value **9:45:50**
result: **2:22:43**
